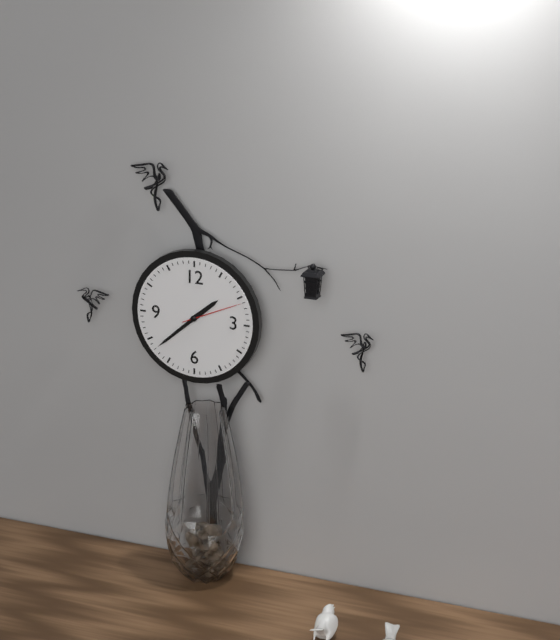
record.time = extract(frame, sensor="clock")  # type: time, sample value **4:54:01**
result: **1:38:11**
